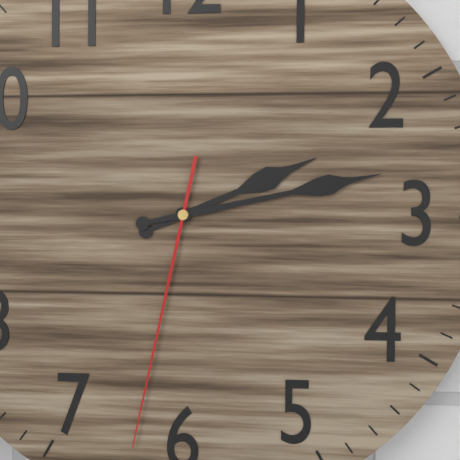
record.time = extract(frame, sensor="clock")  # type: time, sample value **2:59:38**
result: **2:13:32**
